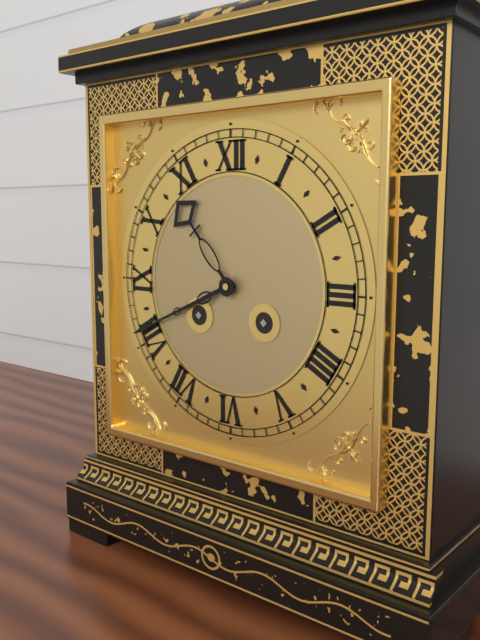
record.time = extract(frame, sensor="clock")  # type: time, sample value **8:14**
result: **10:41**
